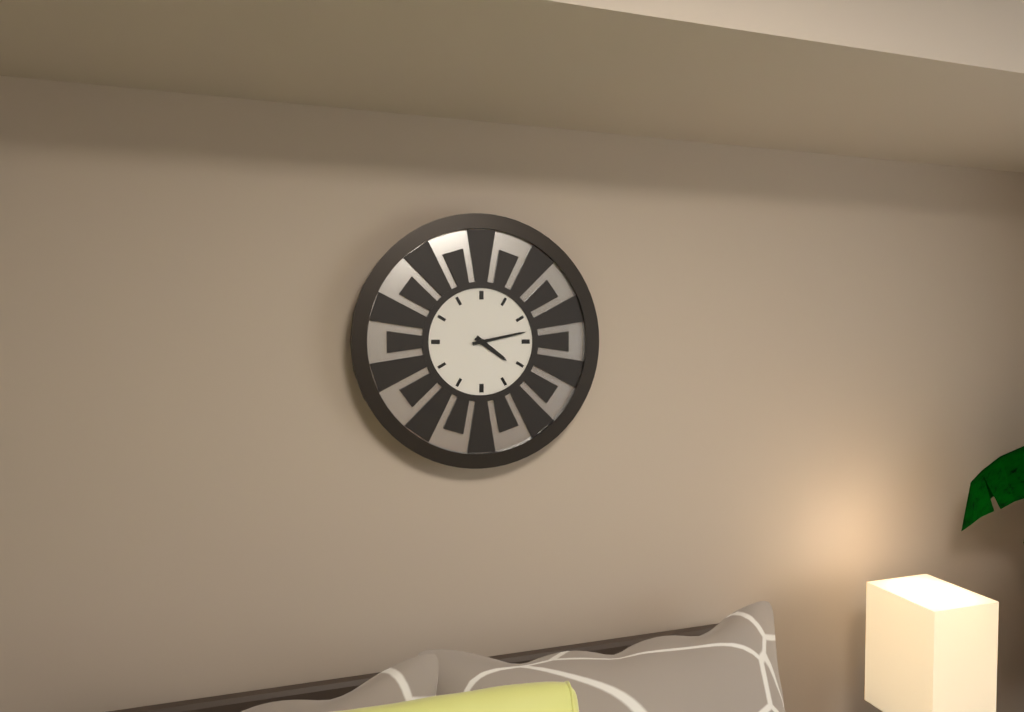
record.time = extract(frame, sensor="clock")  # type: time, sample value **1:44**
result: **4:13**
